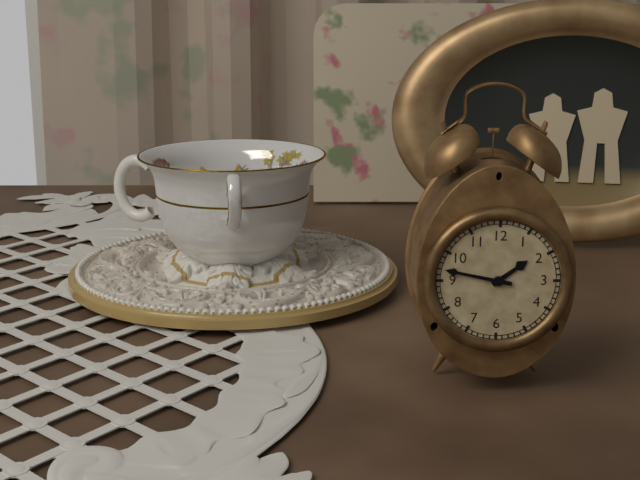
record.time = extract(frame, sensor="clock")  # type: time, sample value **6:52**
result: **1:47**
